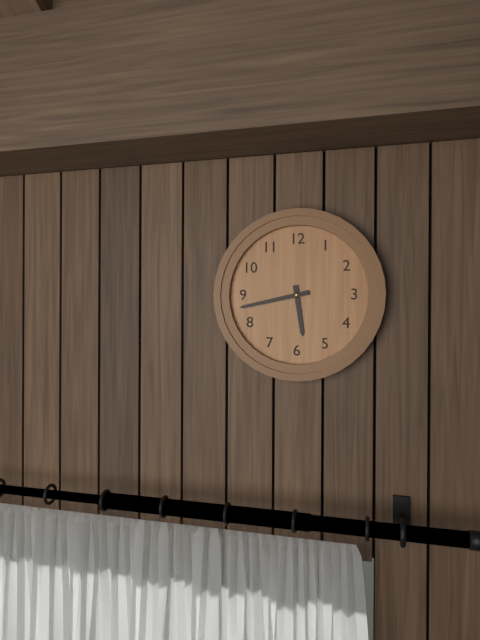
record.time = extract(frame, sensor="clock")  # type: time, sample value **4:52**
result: **5:43**
